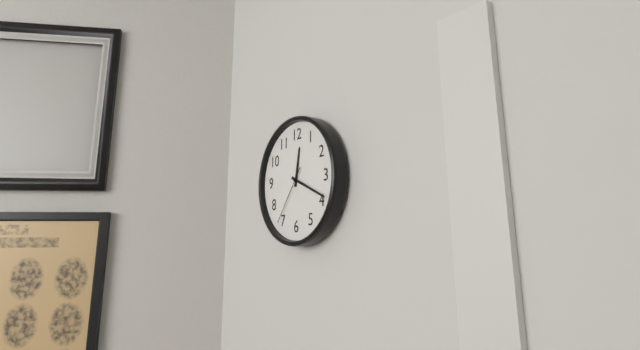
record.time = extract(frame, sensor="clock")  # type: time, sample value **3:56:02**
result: **12:19:36**
